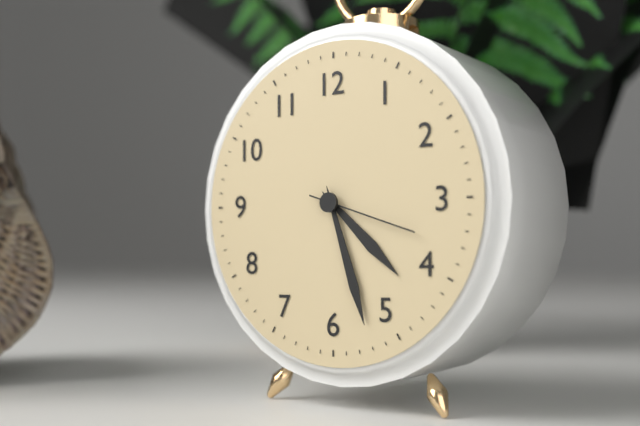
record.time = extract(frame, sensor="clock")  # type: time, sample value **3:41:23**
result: **4:27:18**
